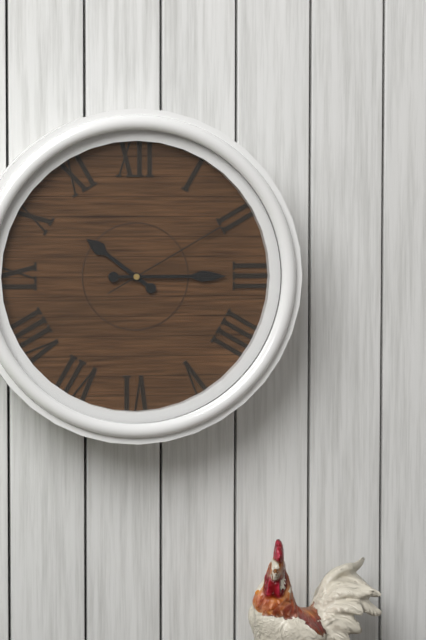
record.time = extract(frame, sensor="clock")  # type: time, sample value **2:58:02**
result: **10:15:10**
